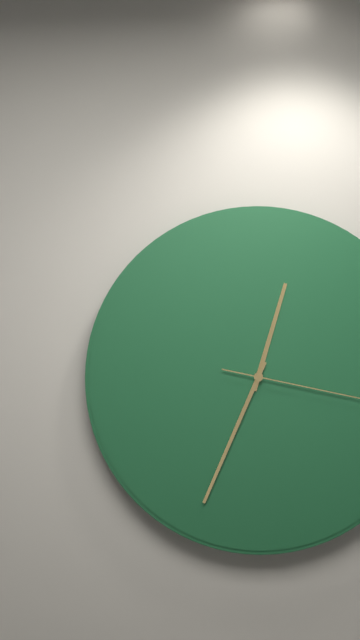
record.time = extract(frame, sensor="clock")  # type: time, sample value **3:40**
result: **12:34**
